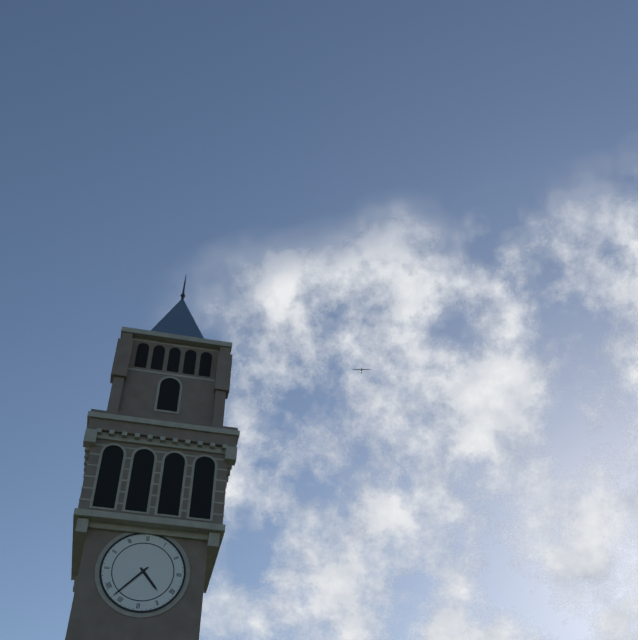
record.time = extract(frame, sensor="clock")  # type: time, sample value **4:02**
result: **4:37**
